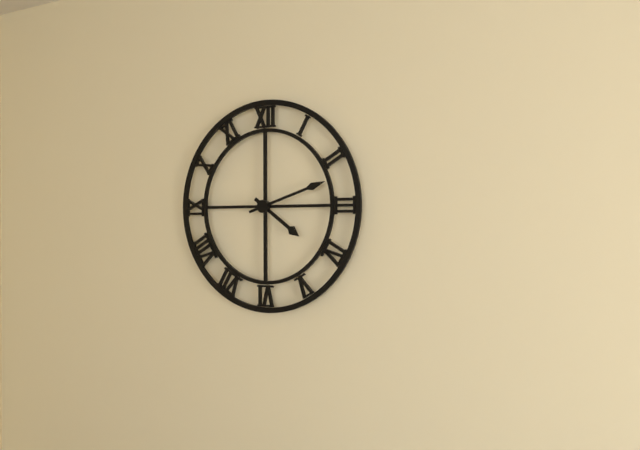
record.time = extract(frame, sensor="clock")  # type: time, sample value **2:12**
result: **4:12**
